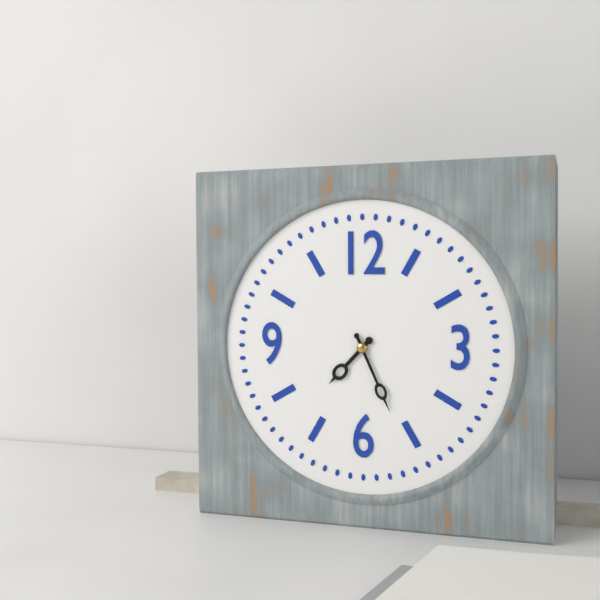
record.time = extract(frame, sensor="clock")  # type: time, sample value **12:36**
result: **7:26**
